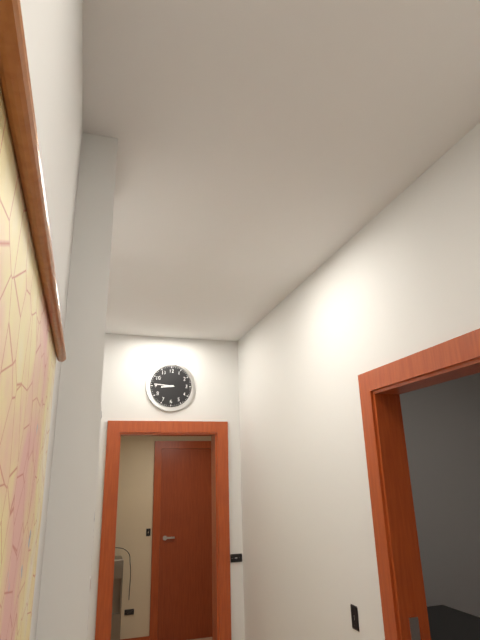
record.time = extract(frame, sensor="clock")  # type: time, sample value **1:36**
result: **8:46**
